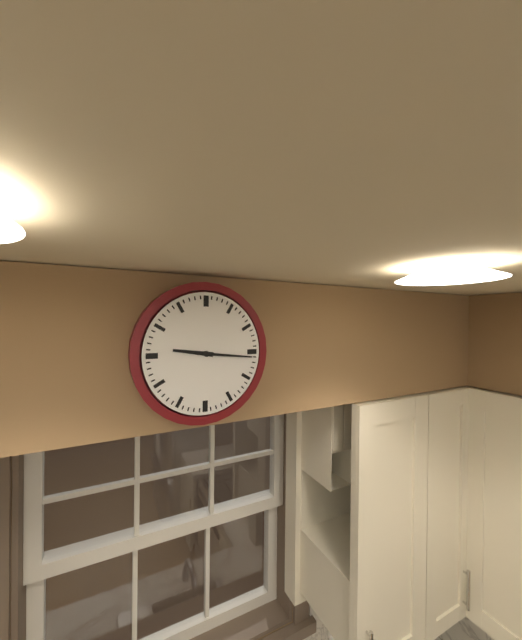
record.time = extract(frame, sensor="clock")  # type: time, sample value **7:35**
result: **9:16**
